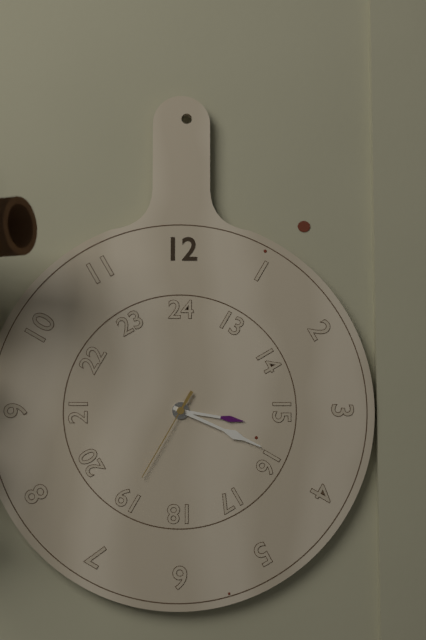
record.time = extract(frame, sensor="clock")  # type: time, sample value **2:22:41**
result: **3:19:35**
